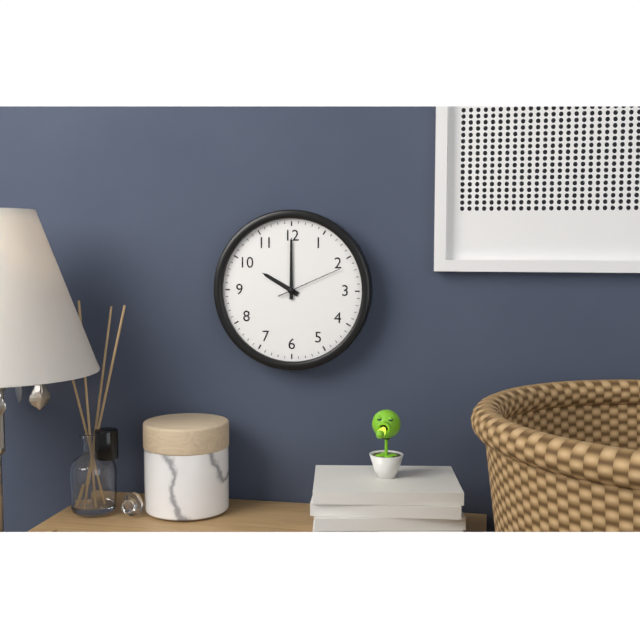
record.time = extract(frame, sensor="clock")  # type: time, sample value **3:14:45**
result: **10:00:11**
